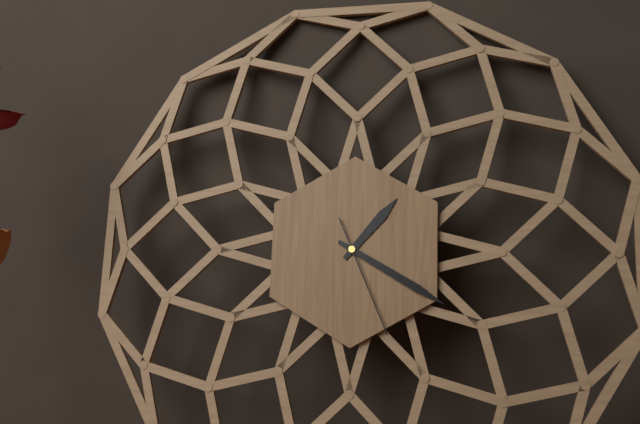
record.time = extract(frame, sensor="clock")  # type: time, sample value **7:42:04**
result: **1:20:26**
